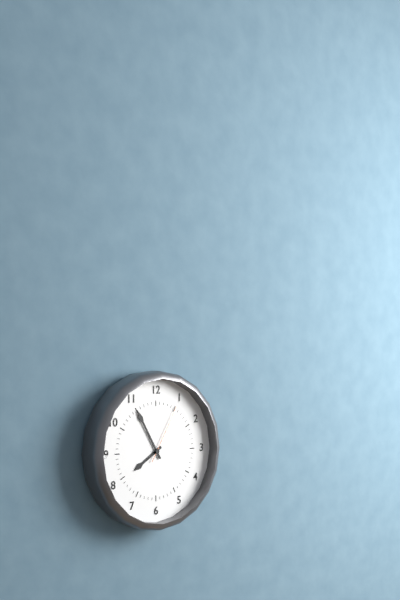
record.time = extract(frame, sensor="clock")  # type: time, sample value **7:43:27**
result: **7:55:05**
